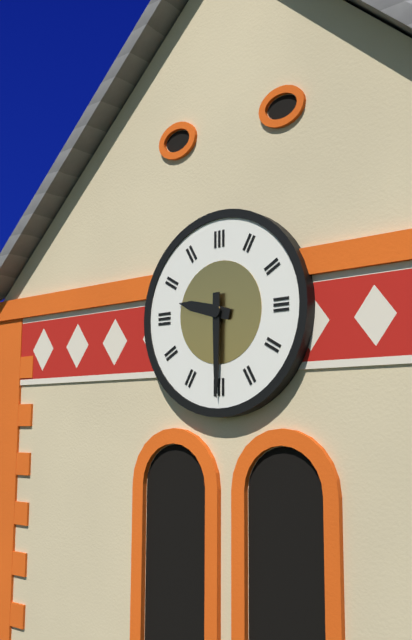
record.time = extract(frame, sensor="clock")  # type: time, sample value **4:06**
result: **9:30**
